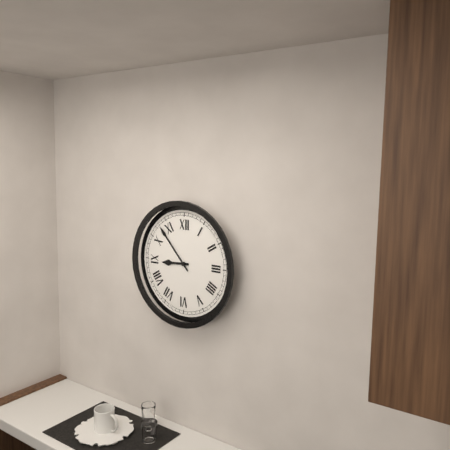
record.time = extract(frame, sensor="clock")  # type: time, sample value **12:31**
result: **8:53**
